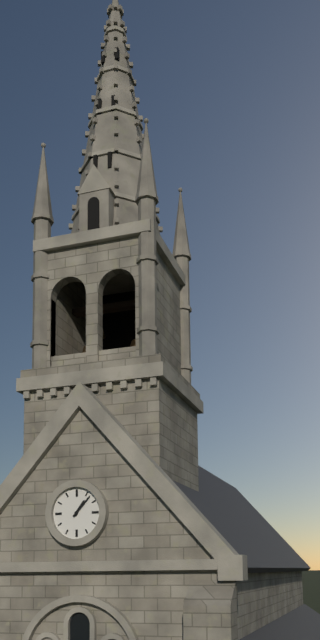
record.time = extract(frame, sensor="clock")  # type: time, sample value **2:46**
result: **1:07**
